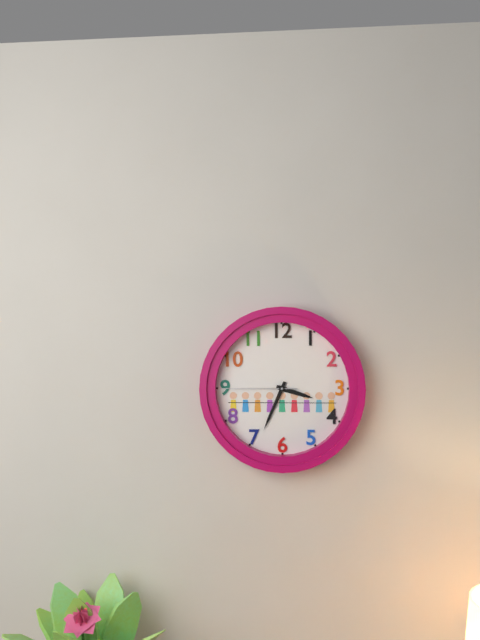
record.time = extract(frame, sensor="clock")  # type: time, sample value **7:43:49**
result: **3:34:45**
